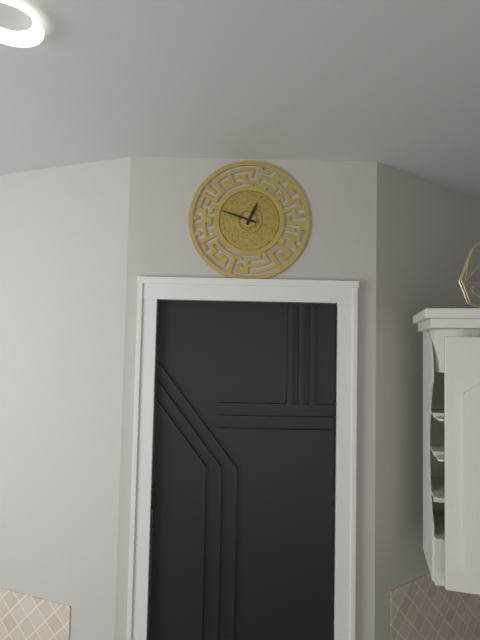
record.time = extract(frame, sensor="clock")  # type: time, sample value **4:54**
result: **12:48**
